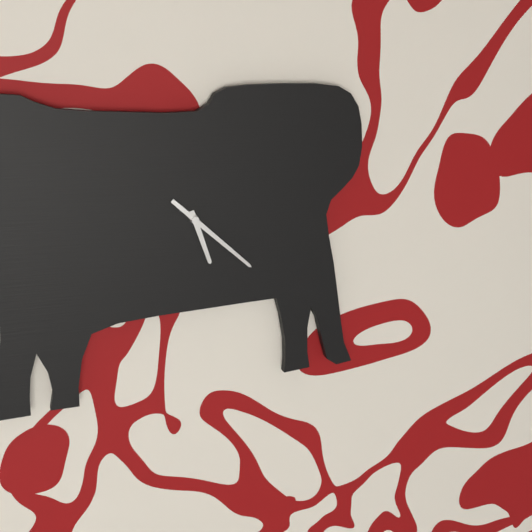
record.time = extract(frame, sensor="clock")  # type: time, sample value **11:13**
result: **5:22**
